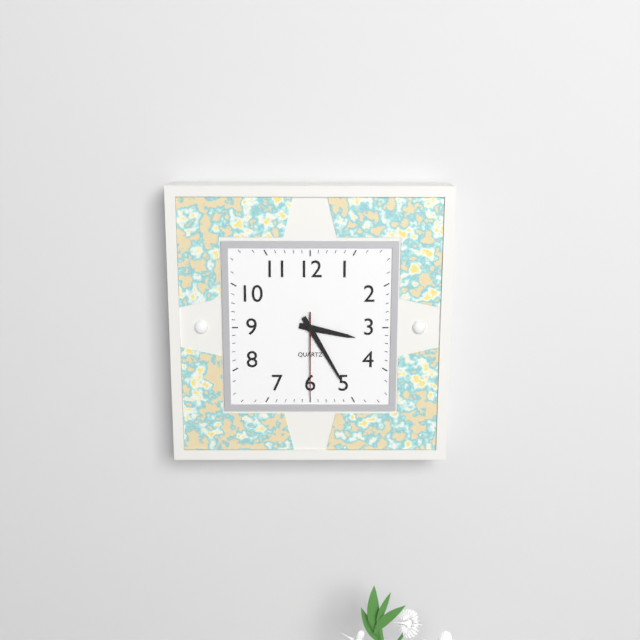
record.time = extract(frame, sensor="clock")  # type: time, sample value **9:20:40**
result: **3:25:30**
